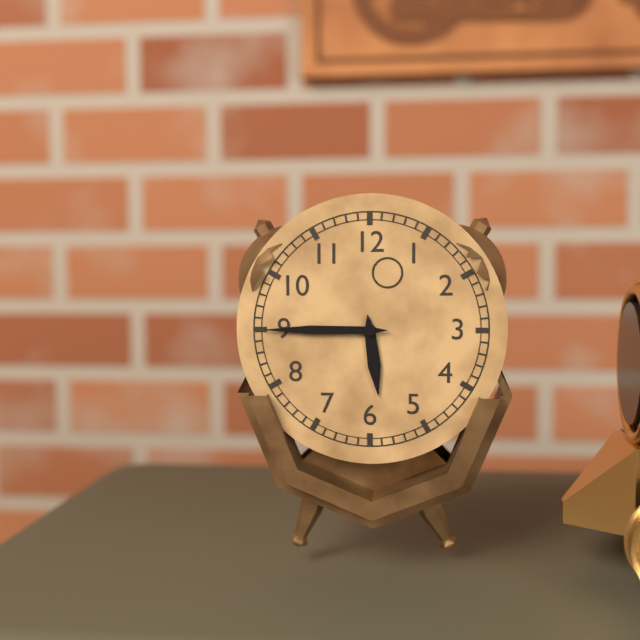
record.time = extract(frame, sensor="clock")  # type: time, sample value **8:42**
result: **5:45**
